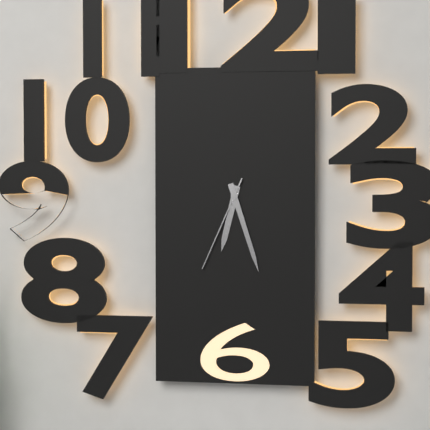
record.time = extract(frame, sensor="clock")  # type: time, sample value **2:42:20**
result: **6:27:34**
